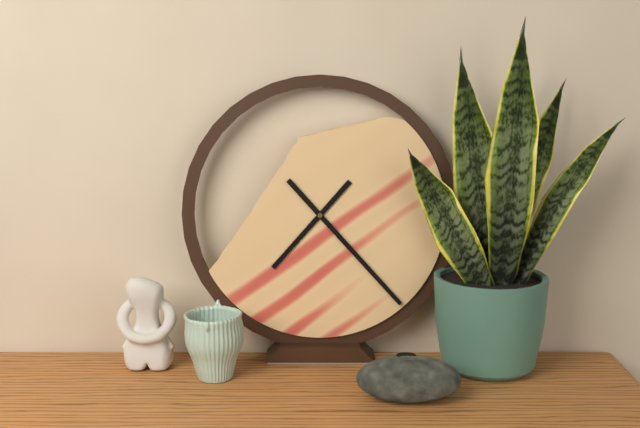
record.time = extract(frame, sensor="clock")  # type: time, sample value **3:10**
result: **7:23**
